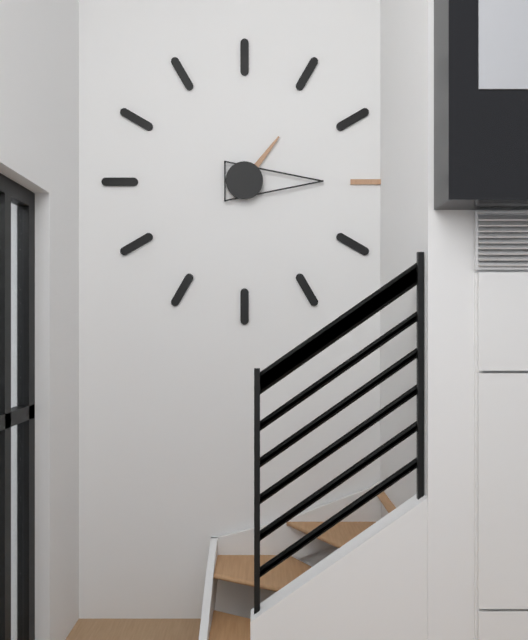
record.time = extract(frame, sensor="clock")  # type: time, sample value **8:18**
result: **1:15**
